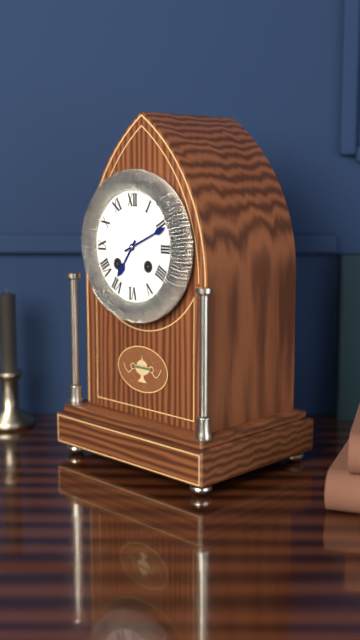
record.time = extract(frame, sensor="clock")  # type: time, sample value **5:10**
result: **7:11**
